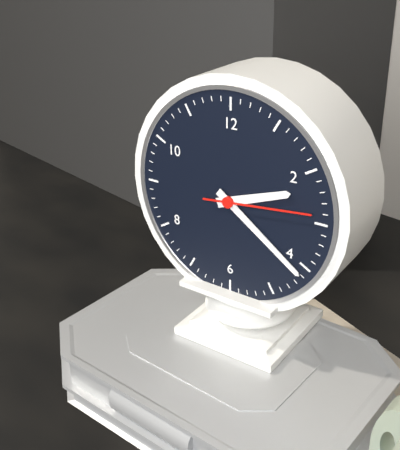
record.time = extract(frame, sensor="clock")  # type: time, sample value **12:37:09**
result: **2:21:14**
